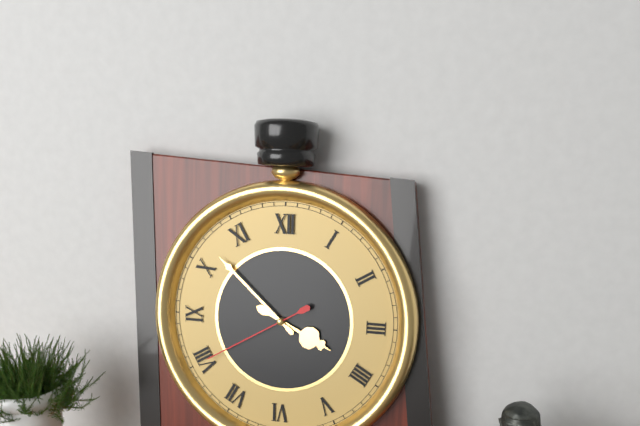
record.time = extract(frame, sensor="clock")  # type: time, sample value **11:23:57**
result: **3:52:40**
